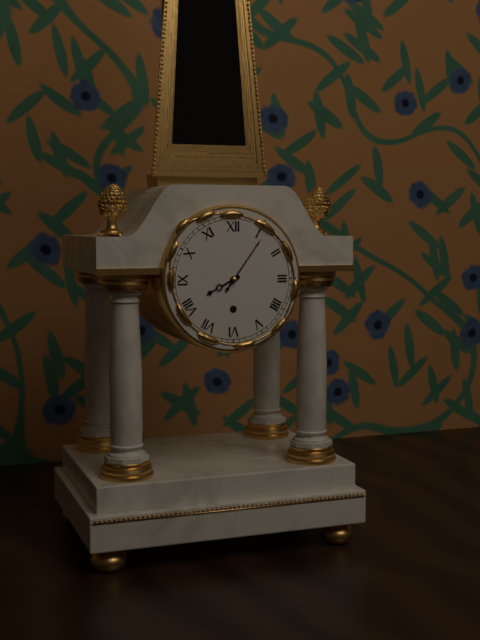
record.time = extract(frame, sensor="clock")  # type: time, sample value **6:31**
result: **8:06**
